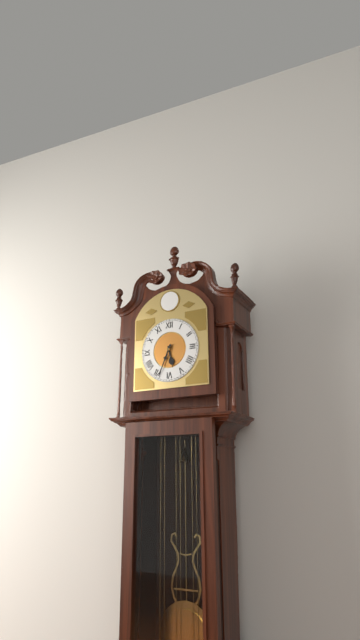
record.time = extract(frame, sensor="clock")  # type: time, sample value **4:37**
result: **5:34**
